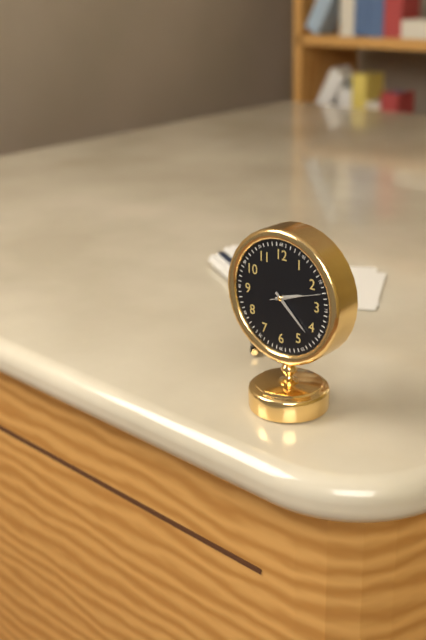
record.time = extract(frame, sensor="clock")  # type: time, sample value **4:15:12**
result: **2:22:12**
